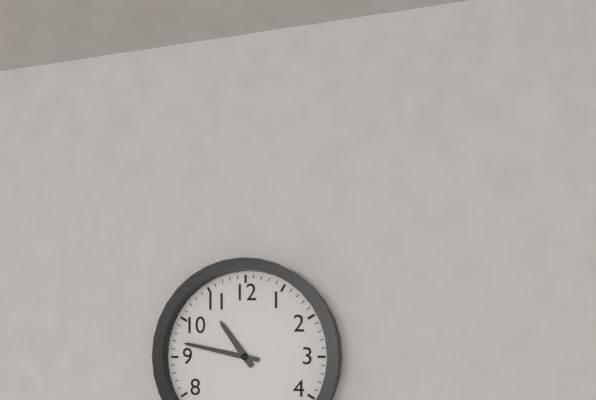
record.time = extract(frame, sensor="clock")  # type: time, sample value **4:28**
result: **10:47**
